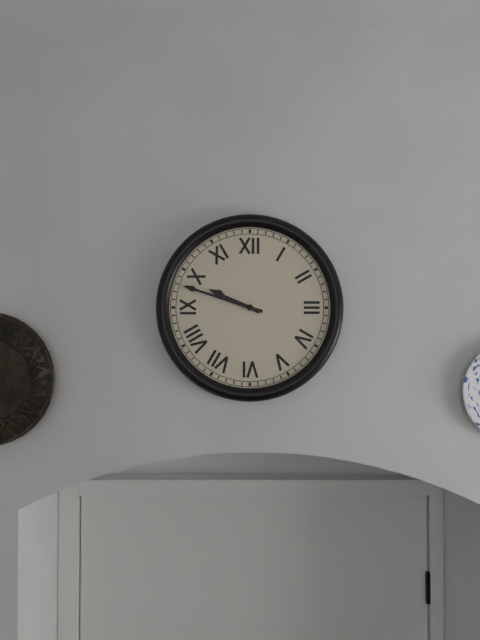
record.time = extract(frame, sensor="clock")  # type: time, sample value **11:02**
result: **9:48**
